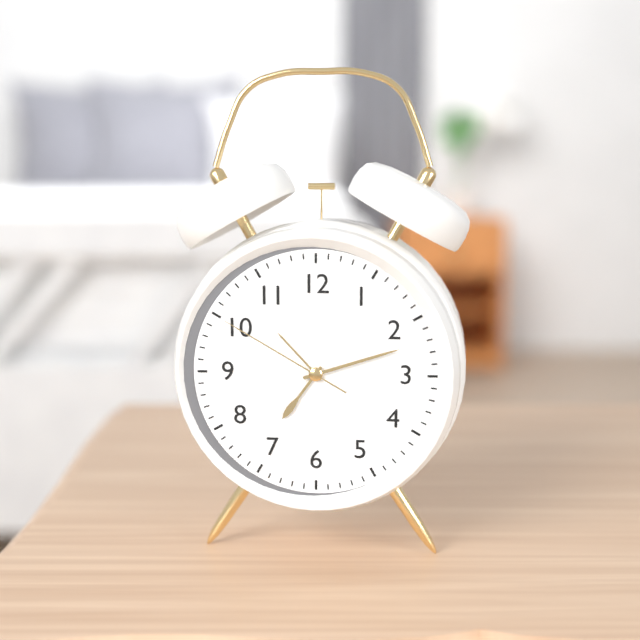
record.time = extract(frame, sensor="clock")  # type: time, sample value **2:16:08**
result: **7:12:50**
